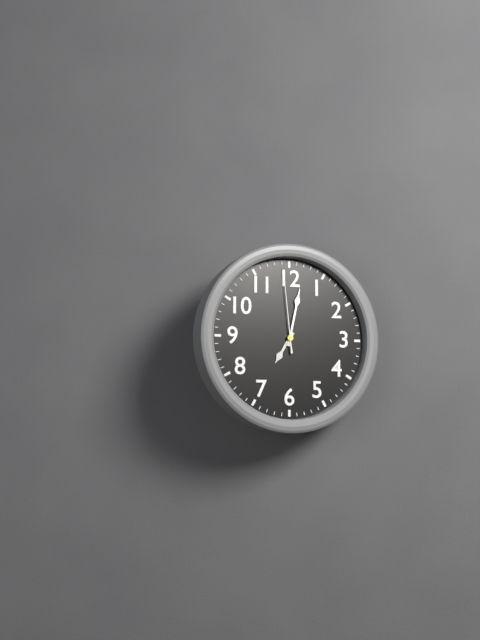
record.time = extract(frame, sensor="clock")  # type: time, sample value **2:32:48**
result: **7:02:59**
